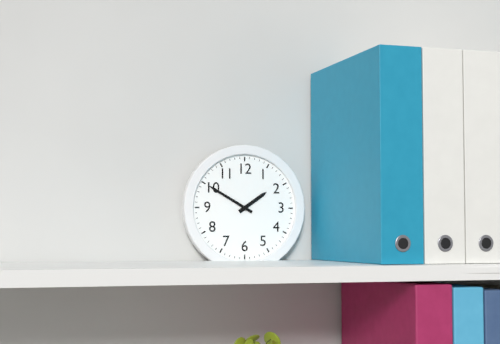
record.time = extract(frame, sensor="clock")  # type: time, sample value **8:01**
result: **1:50**
